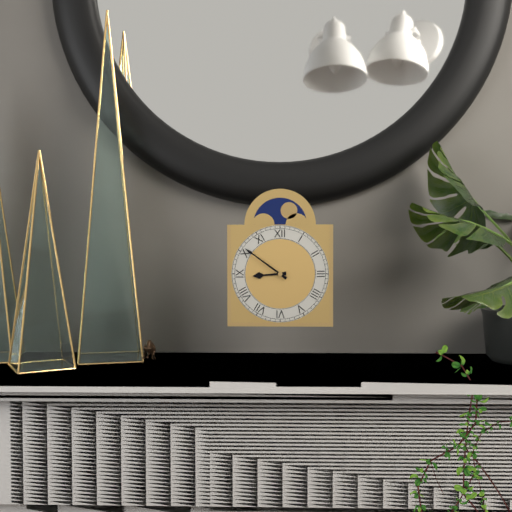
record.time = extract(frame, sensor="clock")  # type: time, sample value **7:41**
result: **8:51**
